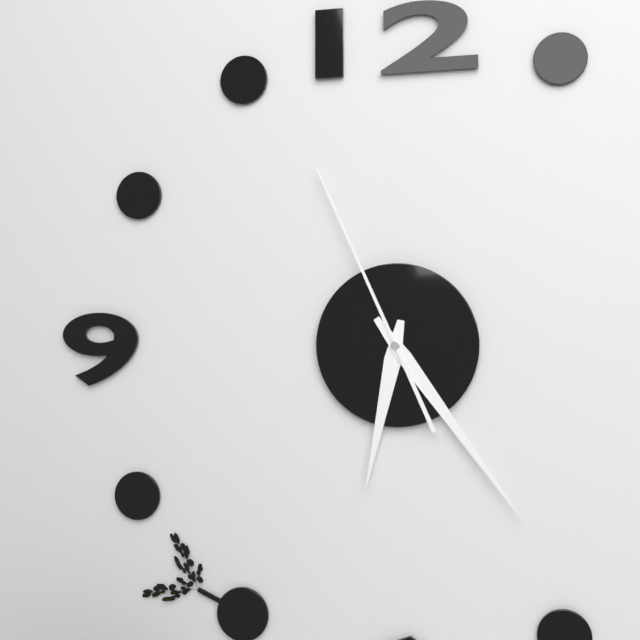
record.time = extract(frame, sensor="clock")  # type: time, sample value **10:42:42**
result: **6:24:56**
